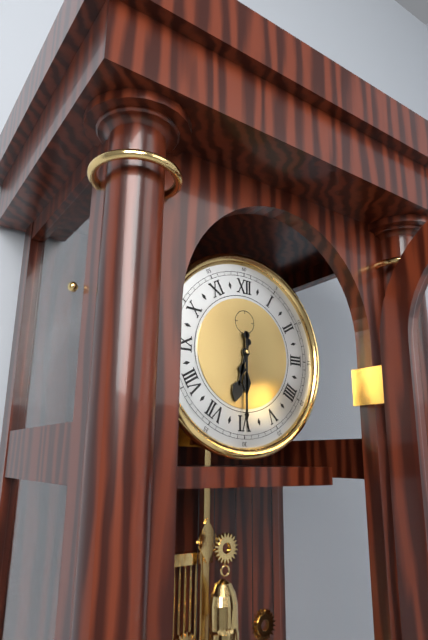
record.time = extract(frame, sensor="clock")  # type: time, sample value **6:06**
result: **6:30**
